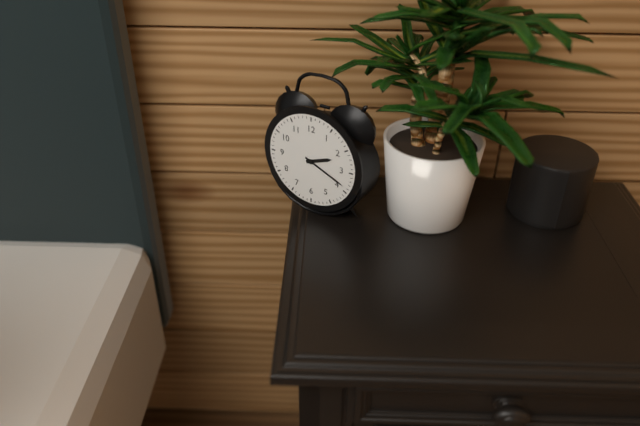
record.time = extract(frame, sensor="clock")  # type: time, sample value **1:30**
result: **2:19**
